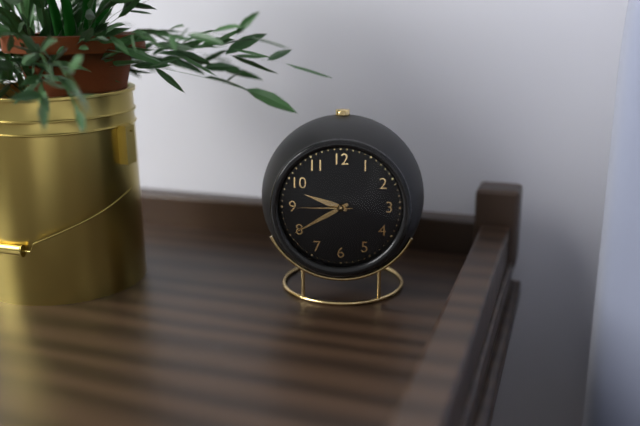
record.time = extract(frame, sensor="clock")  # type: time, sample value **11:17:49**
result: **9:40:45**
